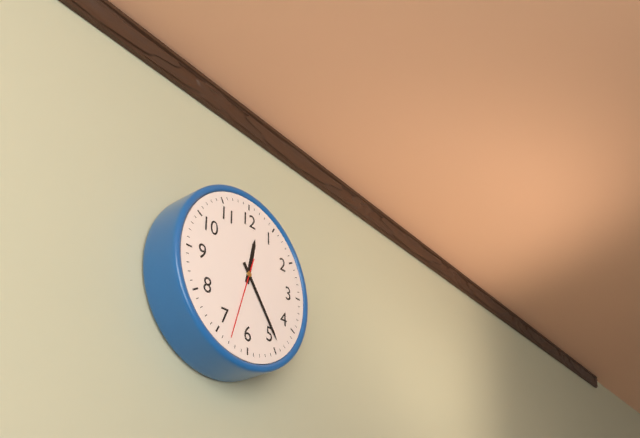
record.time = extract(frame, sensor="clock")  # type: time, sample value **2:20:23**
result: **12:24:33**
